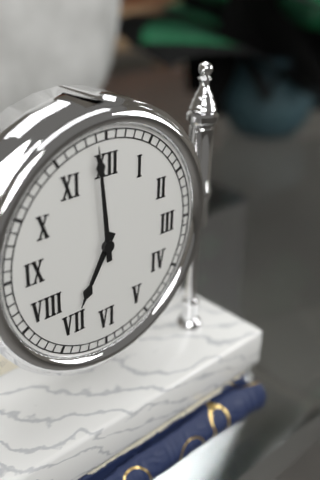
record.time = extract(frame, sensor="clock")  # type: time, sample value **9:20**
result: **6:59**
